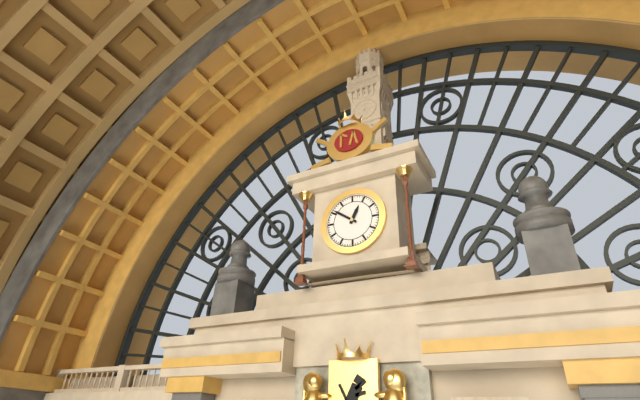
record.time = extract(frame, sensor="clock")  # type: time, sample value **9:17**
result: **12:51**
